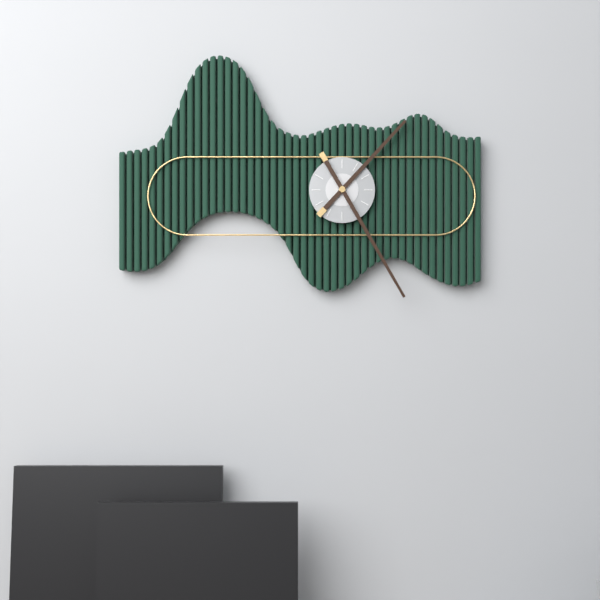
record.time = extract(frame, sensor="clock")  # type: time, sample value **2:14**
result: **1:25**
